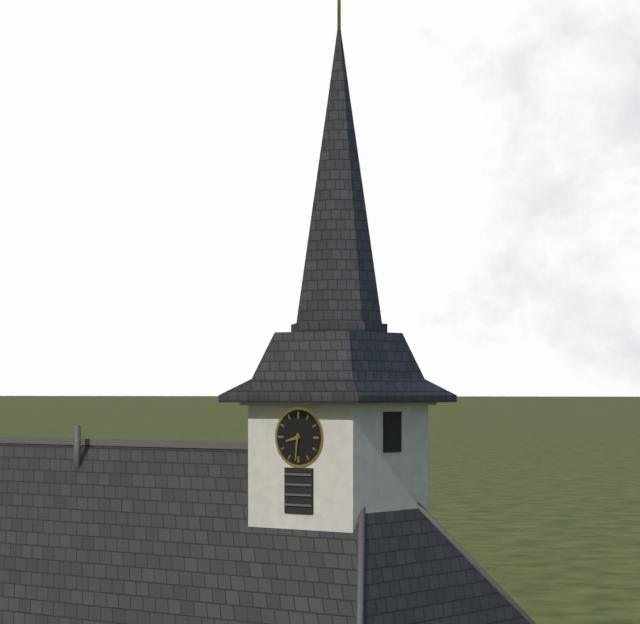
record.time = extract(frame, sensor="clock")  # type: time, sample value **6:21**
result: **8:31**
